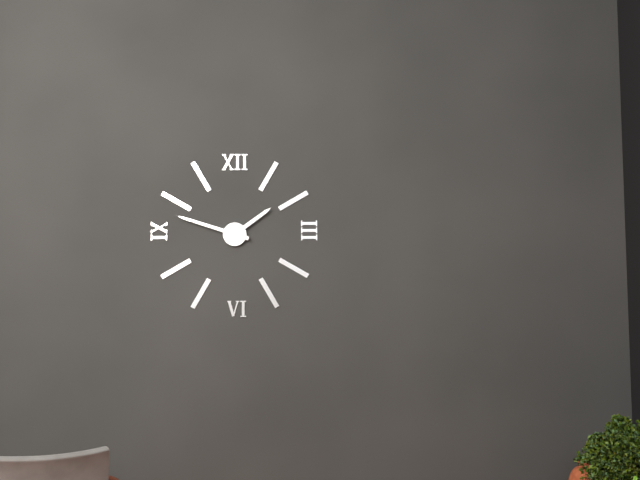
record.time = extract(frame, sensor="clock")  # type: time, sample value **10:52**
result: **1:48**
